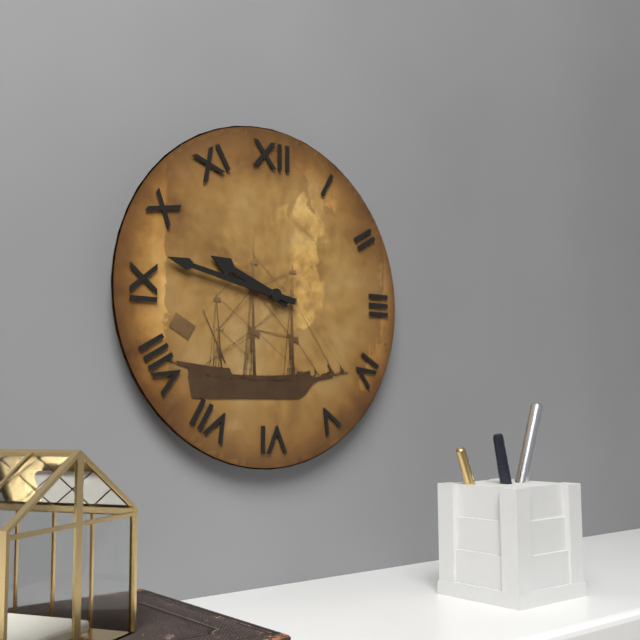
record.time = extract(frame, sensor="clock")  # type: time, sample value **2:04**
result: **9:47**
